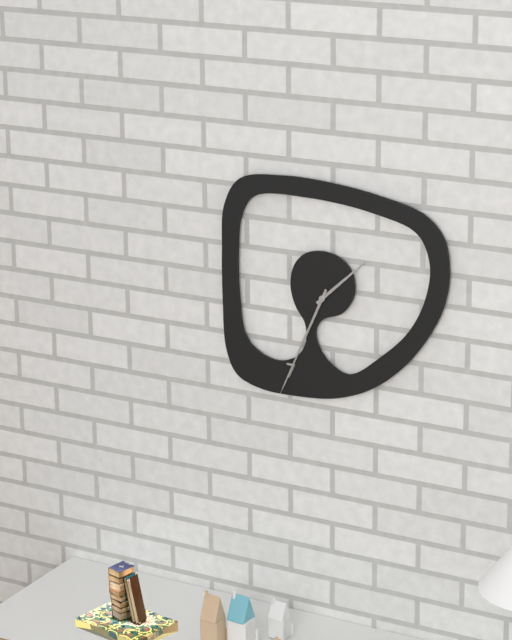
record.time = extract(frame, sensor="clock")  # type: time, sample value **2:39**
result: **1:34**
